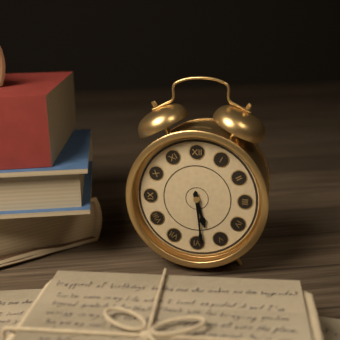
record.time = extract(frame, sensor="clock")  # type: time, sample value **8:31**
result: **5:29**
